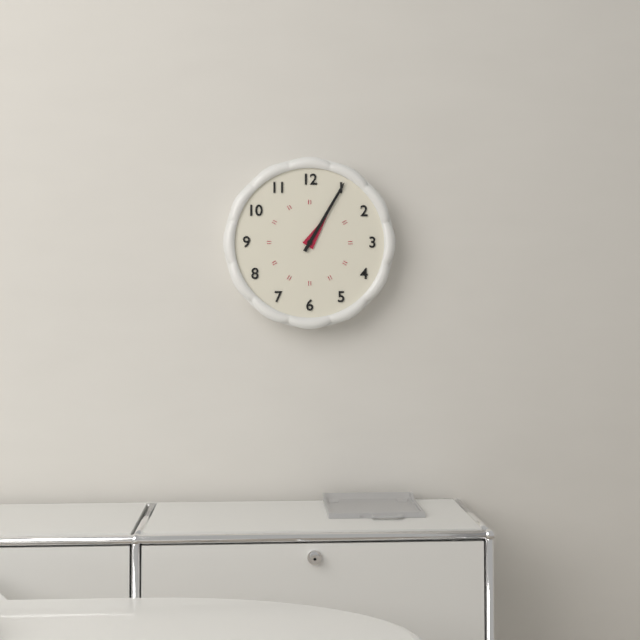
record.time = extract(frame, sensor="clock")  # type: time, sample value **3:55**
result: **1:05**
